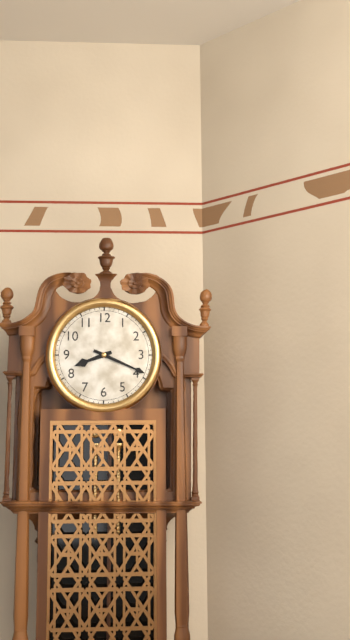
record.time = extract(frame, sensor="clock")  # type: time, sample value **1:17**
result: **8:19**
